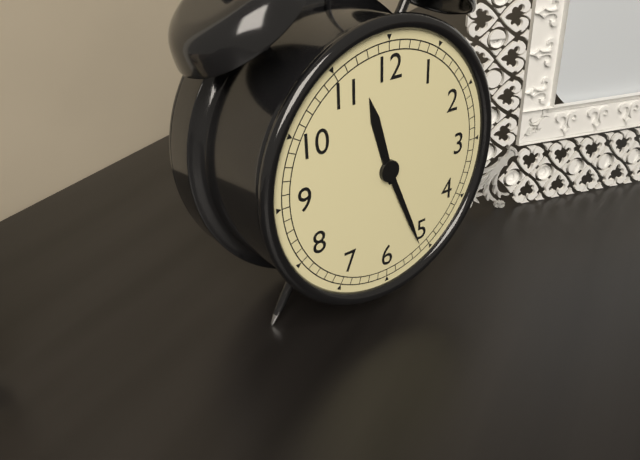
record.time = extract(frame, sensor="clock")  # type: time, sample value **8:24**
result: **11:26**
